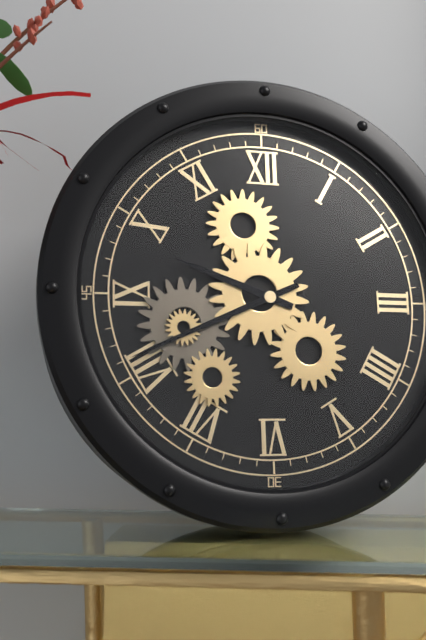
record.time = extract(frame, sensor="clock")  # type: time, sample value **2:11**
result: **9:41**
